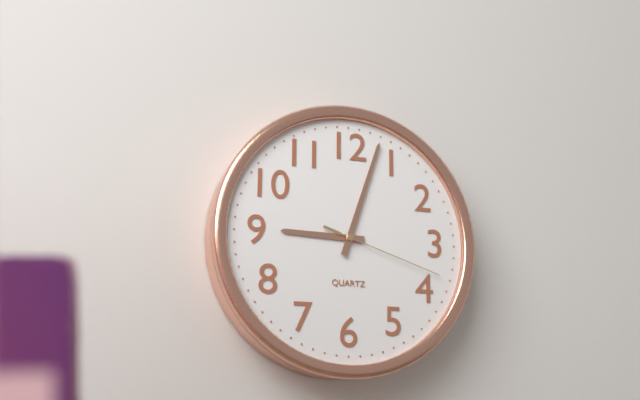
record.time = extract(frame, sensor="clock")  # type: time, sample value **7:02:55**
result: **9:03:18**
